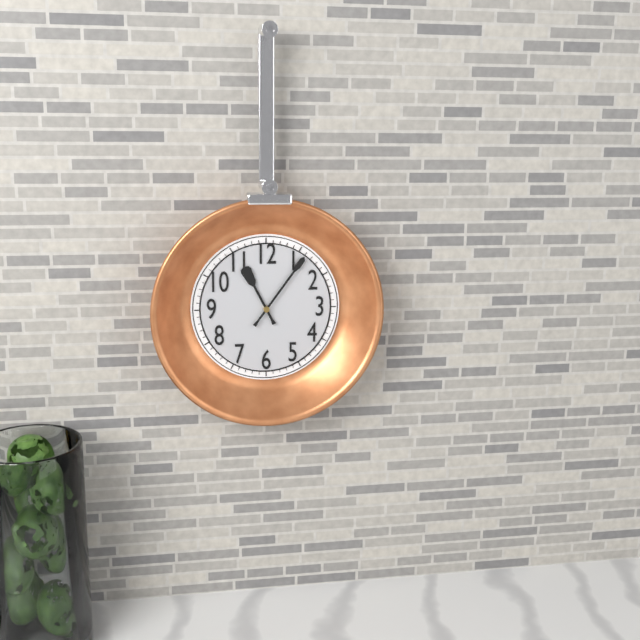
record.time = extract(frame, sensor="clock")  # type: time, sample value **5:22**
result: **11:06**
